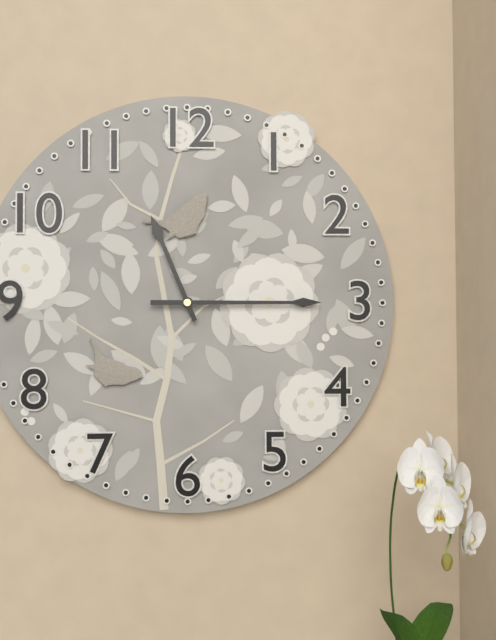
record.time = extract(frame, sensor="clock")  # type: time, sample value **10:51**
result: **11:15**
